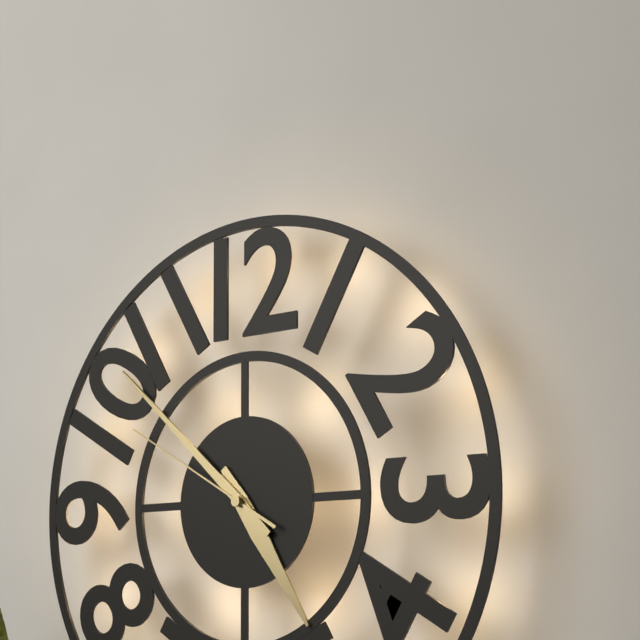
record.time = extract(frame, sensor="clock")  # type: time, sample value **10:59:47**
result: **4:52:50**
